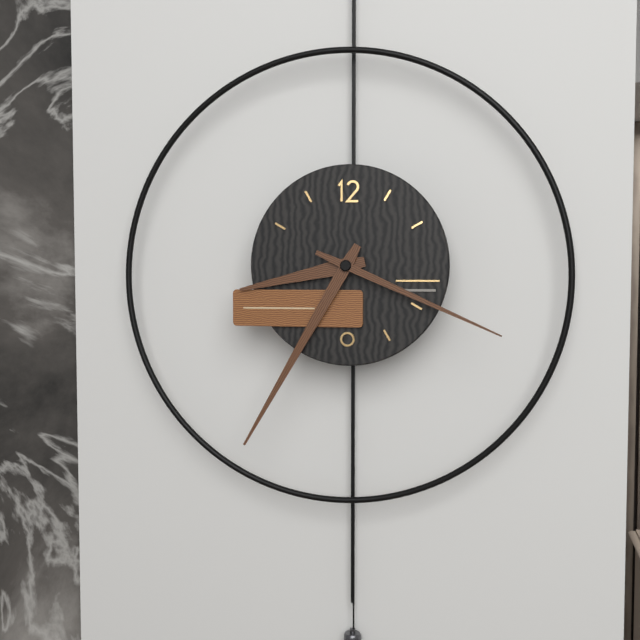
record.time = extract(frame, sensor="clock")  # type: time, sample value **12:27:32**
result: **8:35:19**
